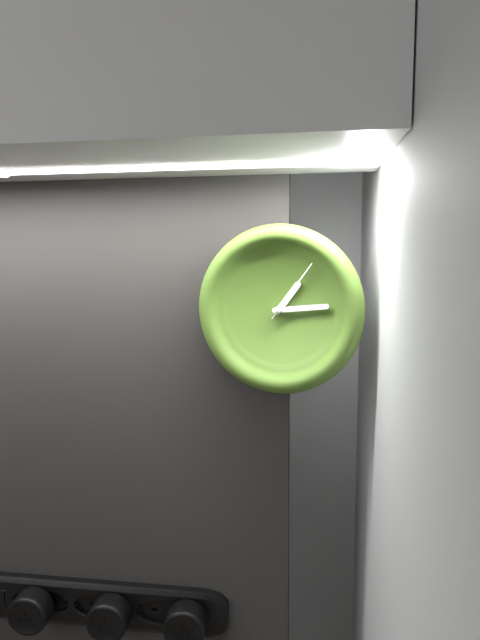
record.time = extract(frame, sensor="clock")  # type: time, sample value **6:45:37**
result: **1:14:06**
